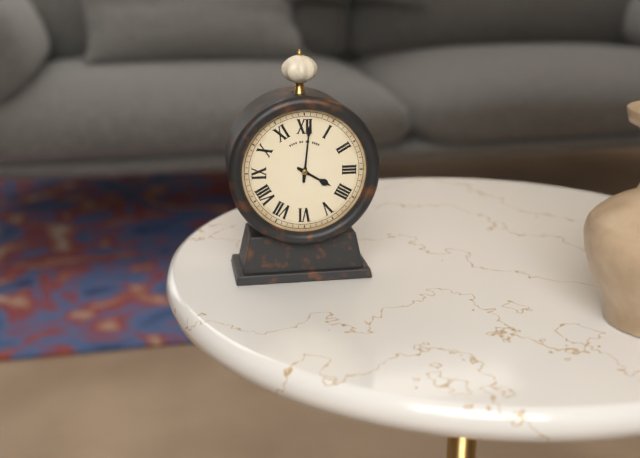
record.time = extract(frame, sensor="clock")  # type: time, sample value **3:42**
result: **4:01**
